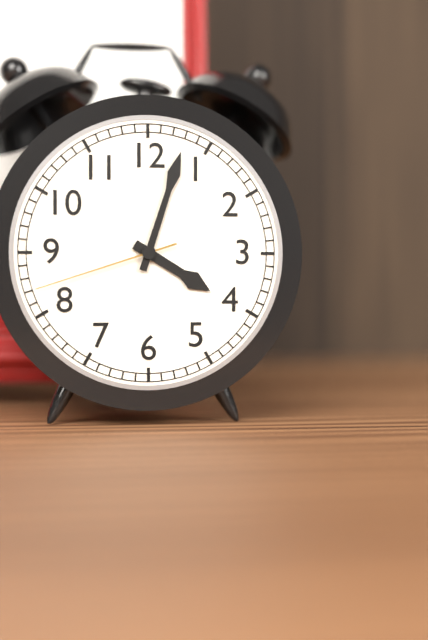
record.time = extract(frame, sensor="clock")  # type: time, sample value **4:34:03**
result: **4:03:42**
